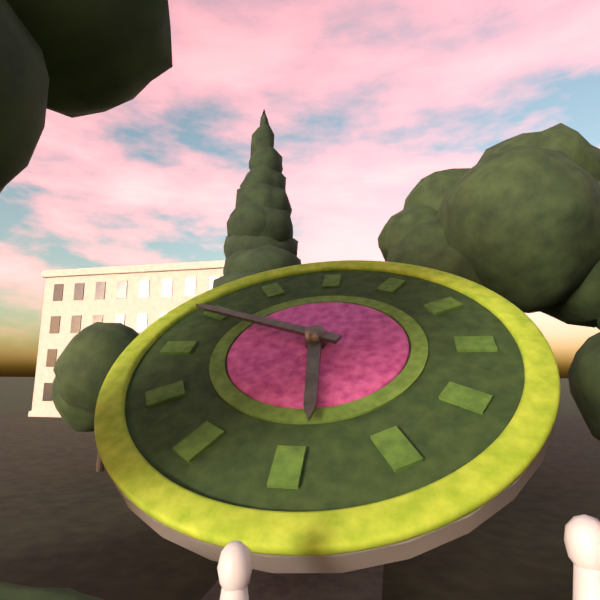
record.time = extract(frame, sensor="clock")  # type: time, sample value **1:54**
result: **5:49**
